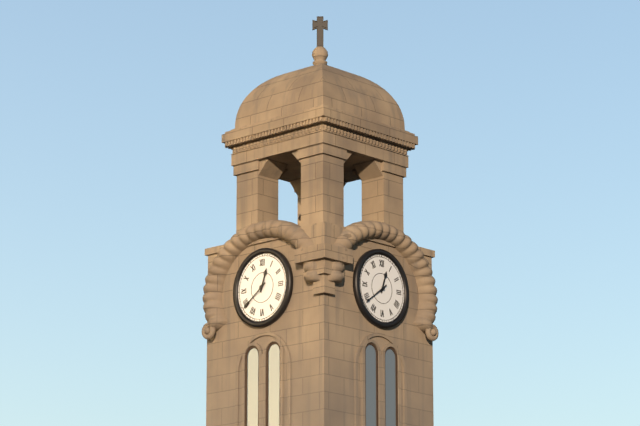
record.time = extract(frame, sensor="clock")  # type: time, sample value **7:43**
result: **12:39**
